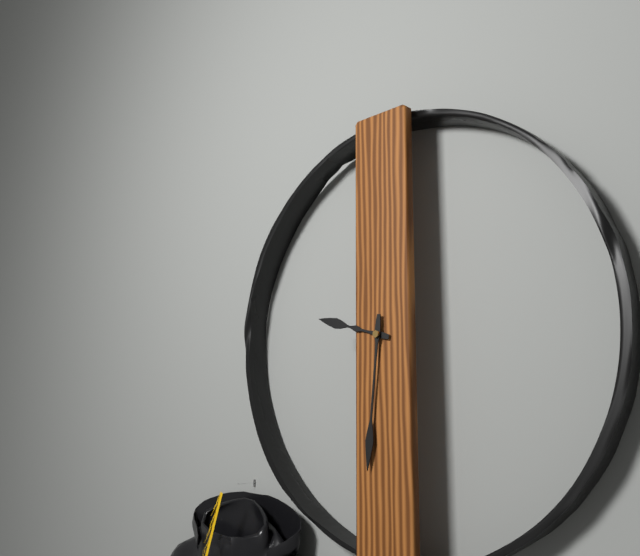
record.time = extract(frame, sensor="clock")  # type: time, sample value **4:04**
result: **9:31**
